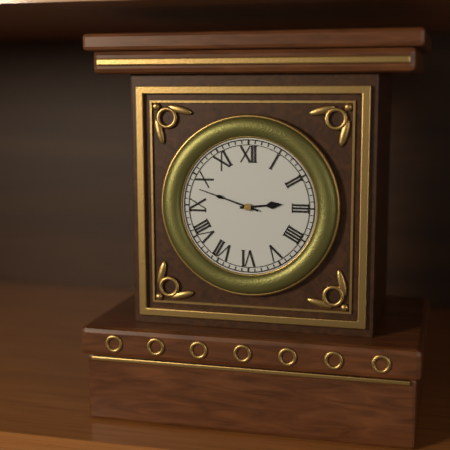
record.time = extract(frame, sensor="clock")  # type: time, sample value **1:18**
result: **2:48**
